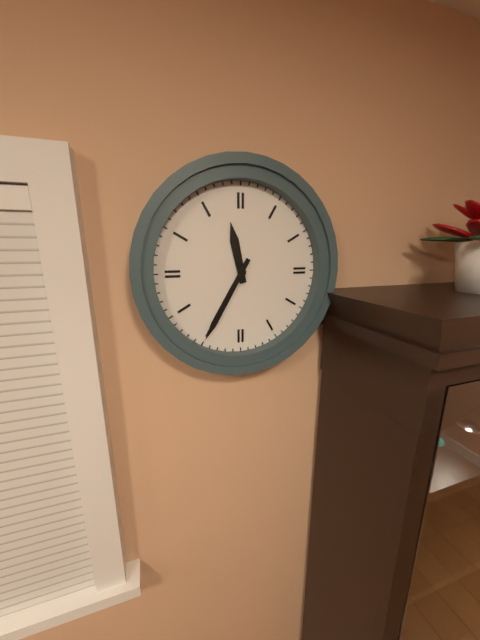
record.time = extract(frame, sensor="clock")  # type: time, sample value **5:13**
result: **11:35**
